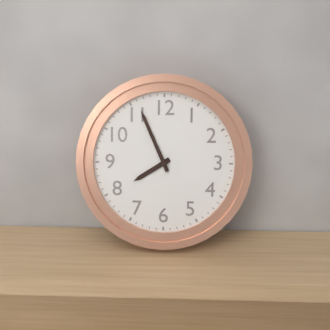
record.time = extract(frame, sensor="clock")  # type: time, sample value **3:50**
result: **7:56**
